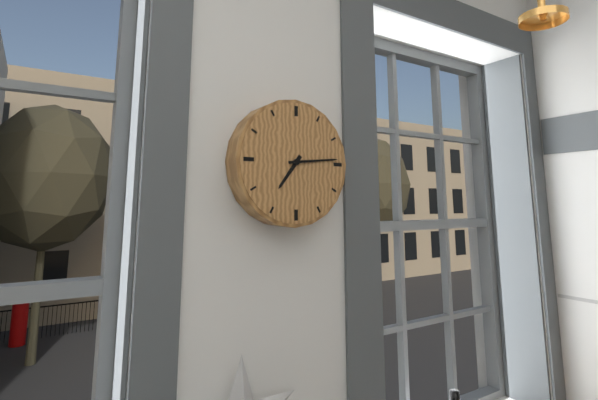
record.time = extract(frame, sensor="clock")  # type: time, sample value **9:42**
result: **7:14**
